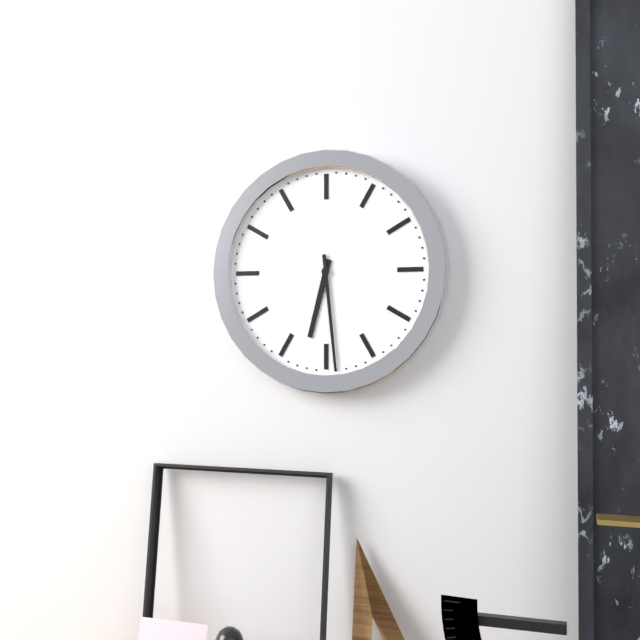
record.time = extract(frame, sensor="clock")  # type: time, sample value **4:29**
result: **6:29**
